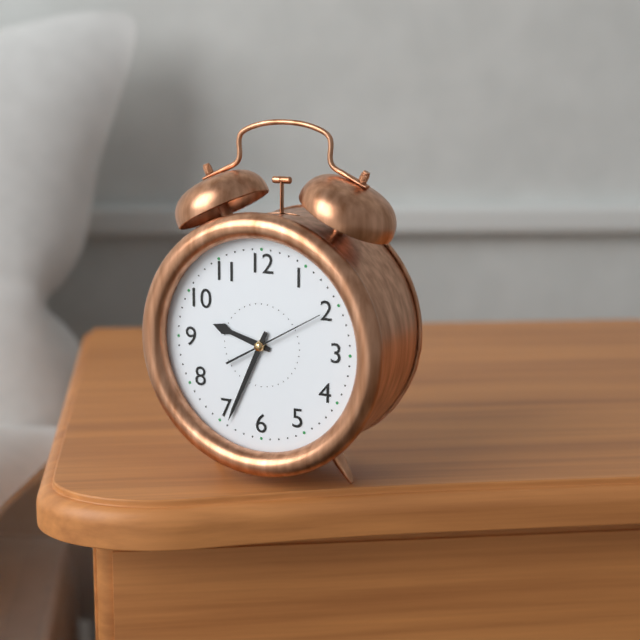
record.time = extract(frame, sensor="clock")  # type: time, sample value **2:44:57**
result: **9:34:10**
